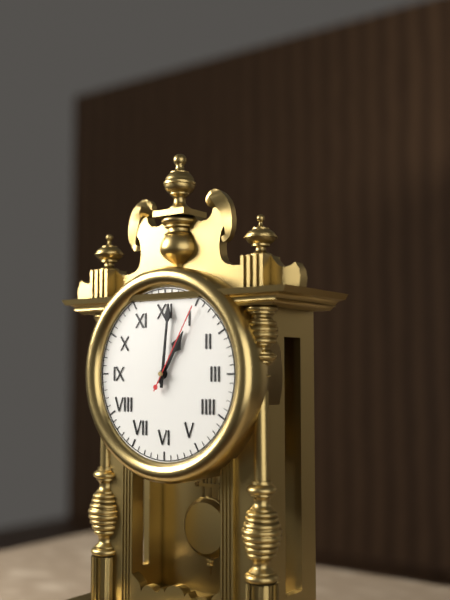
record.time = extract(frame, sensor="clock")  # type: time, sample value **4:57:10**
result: **1:01:05**
